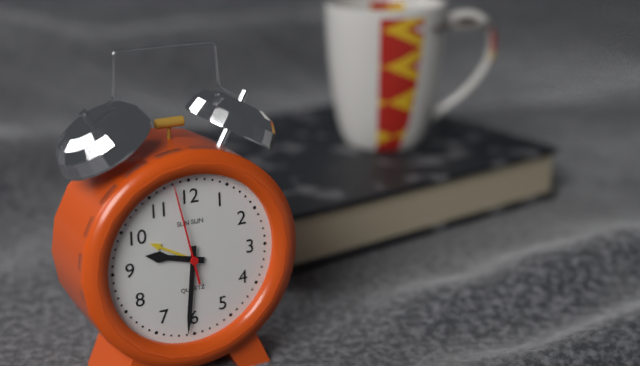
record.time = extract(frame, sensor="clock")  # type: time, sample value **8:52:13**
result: **9:31:58**
